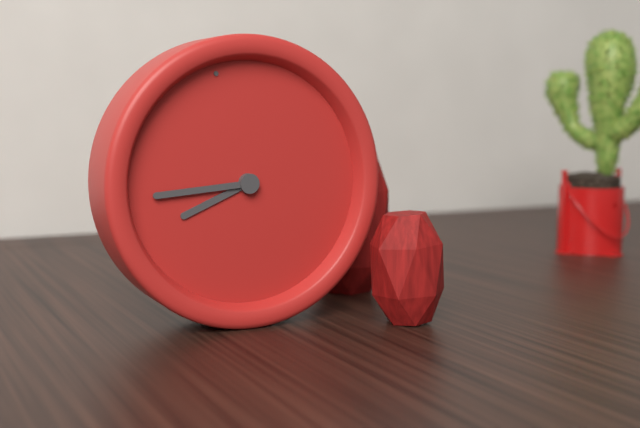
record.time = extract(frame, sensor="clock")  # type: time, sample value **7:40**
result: **8:47**
